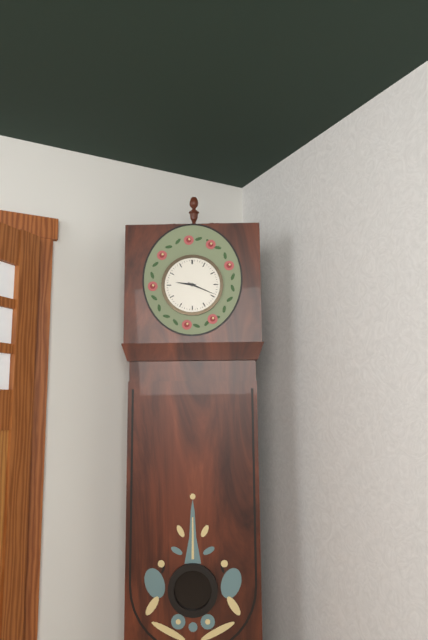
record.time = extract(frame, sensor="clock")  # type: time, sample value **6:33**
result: **9:19**
